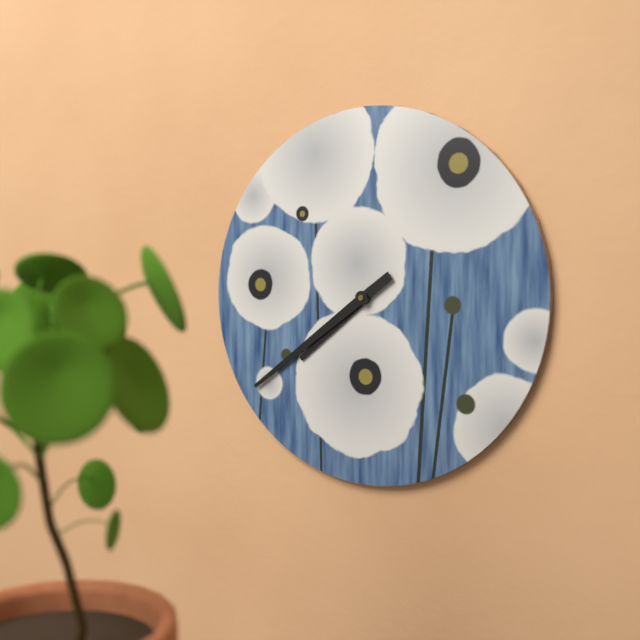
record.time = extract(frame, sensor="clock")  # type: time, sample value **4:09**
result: **7:39**
